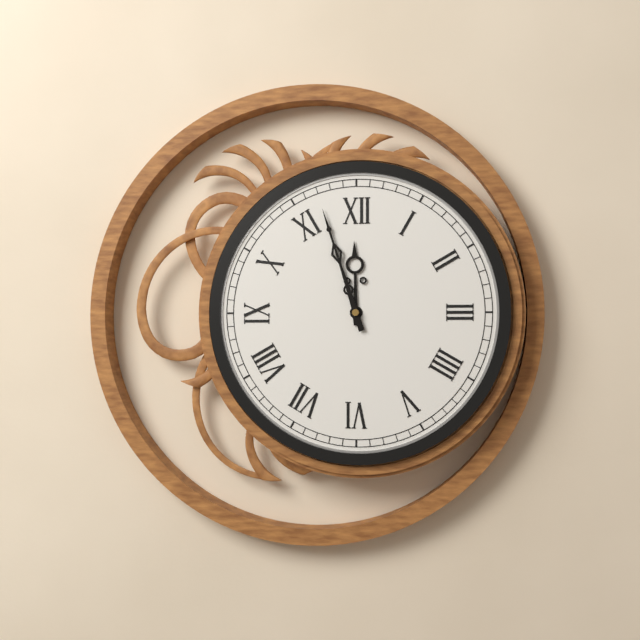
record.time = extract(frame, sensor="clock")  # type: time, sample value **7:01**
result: **11:57**
